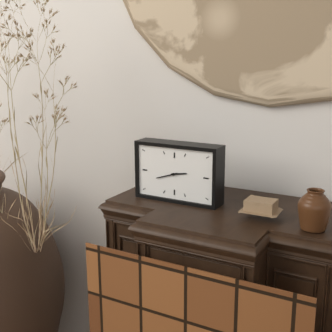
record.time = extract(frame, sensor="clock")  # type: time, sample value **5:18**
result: **2:42**
